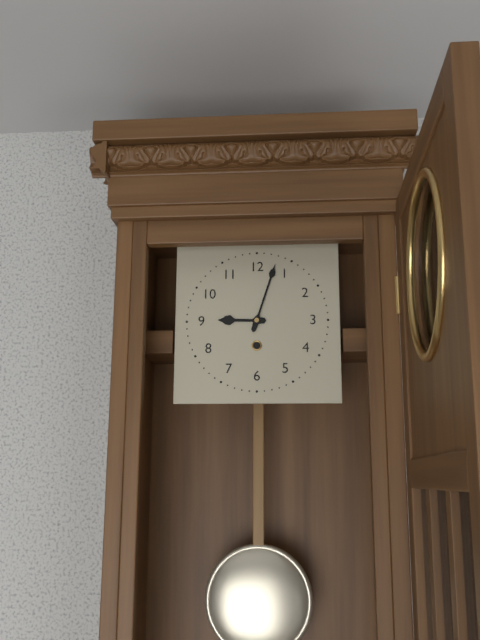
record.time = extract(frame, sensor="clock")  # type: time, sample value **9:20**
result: **9:03**
